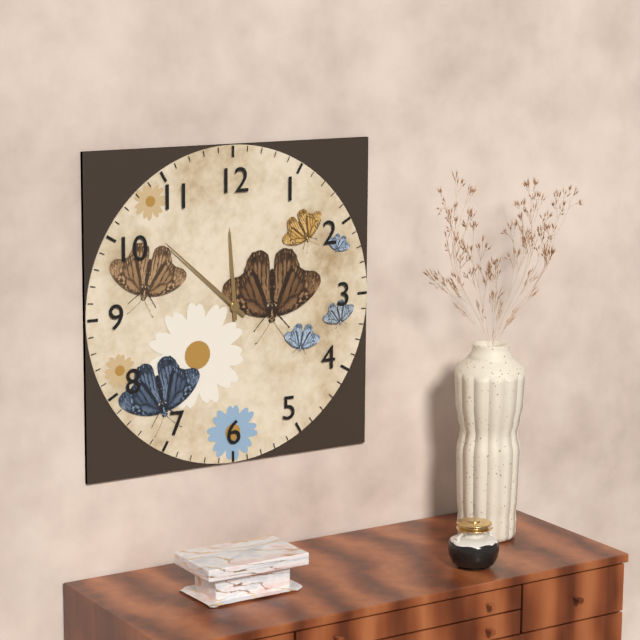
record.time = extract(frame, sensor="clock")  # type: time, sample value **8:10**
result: **11:52**
